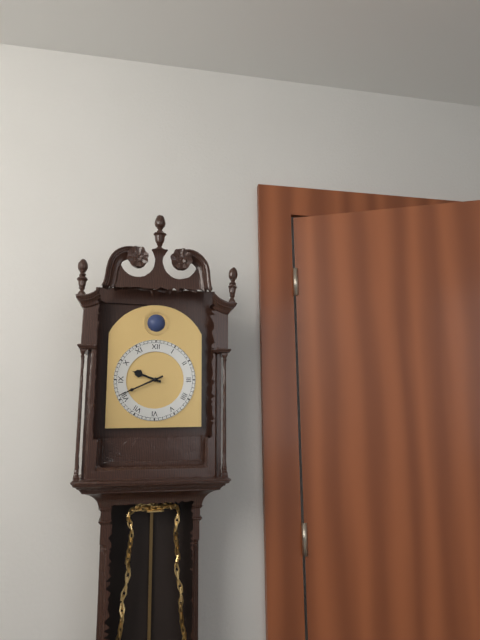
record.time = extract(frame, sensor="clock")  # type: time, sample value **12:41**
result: **9:41**
